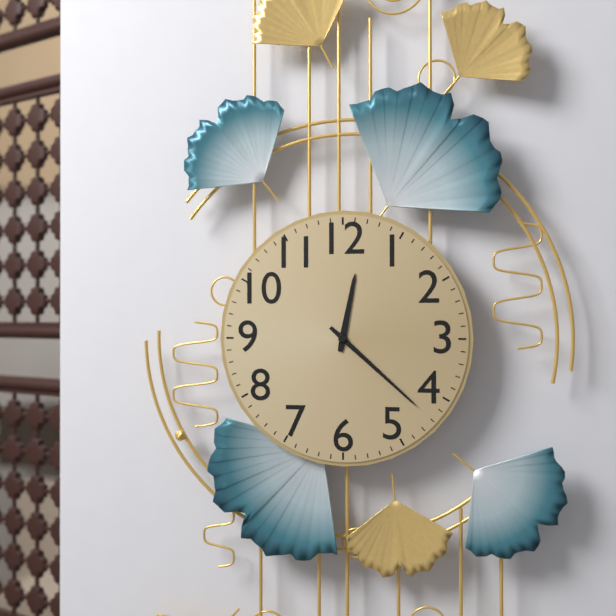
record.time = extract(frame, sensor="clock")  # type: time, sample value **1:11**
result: **12:22**
